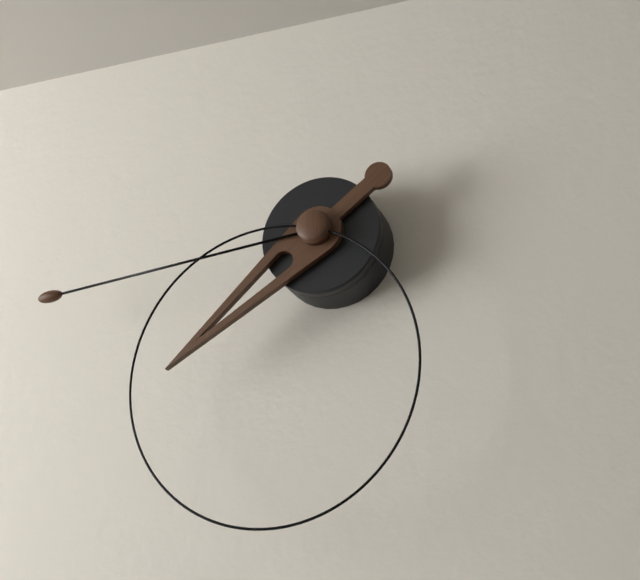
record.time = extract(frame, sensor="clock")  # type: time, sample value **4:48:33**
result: **7:44:33**
